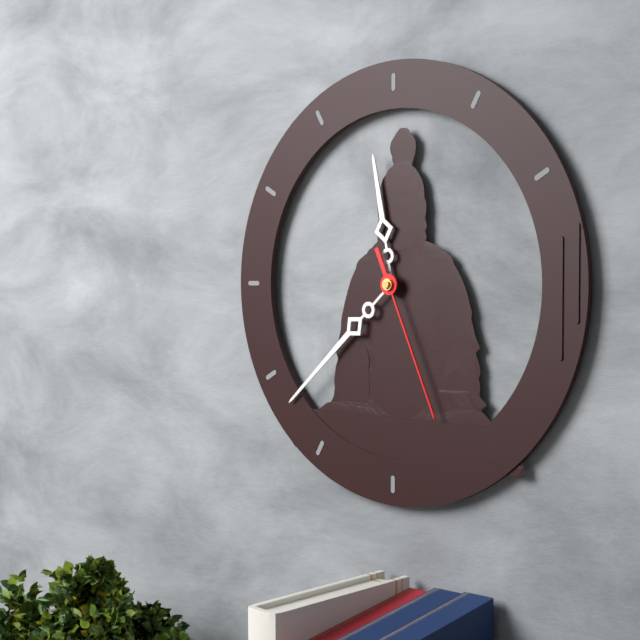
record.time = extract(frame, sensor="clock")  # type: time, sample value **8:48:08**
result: **11:38:26**
